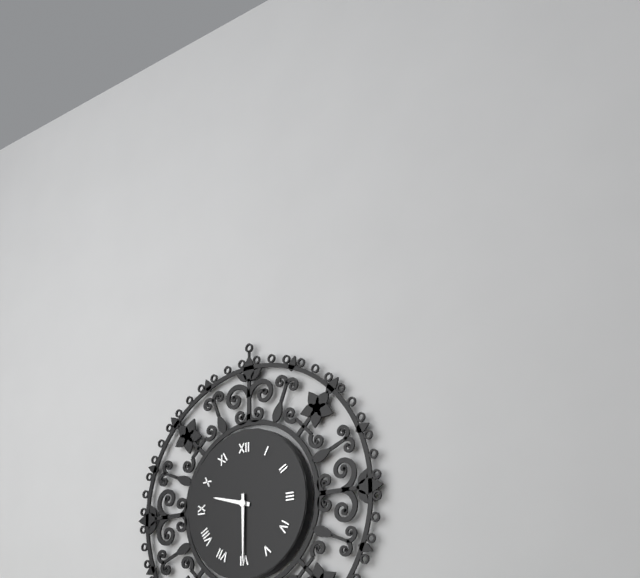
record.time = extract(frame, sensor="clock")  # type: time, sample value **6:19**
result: **9:30**
